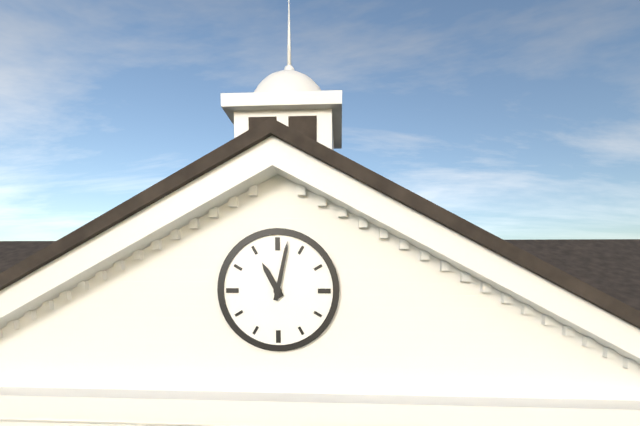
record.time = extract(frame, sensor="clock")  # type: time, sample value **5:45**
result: **11:02**
